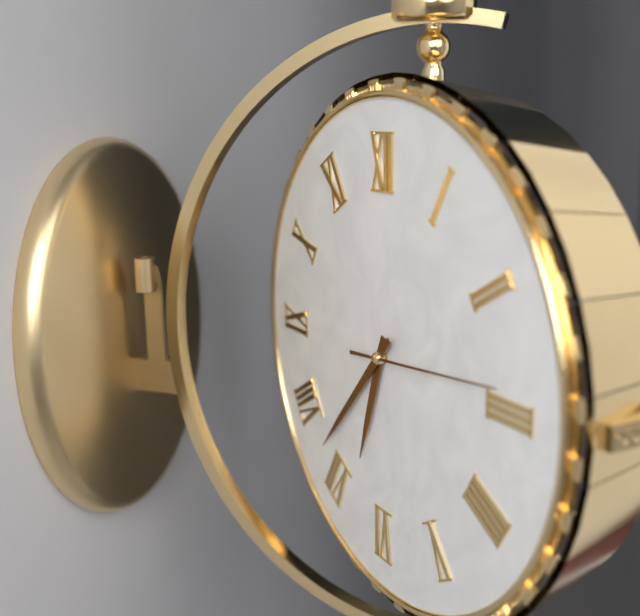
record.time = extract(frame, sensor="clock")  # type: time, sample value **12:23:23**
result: **6:37:14**
